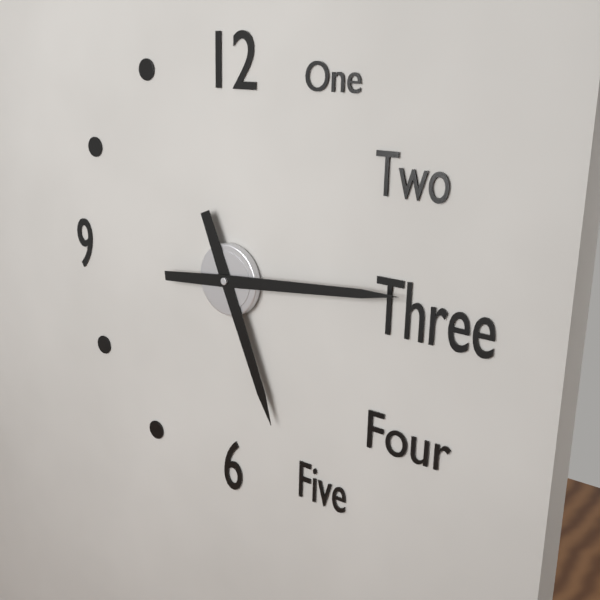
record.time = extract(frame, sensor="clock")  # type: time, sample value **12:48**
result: **5:14**
